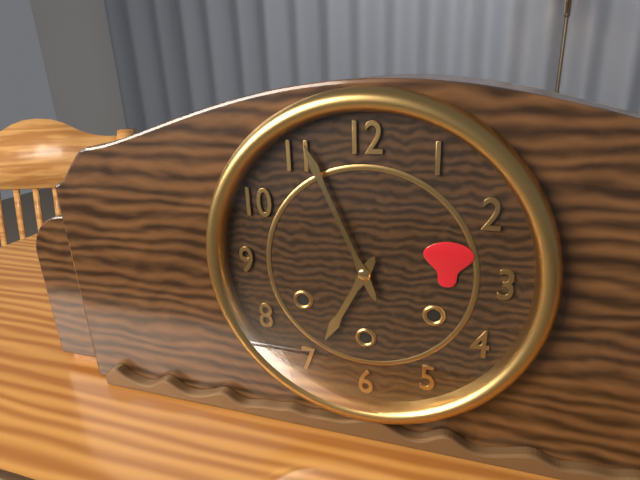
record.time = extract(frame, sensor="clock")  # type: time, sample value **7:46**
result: **6:56**
